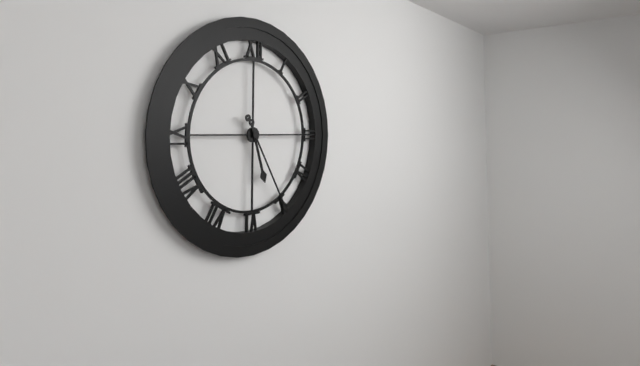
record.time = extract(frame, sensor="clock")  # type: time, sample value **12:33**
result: **5:25**
